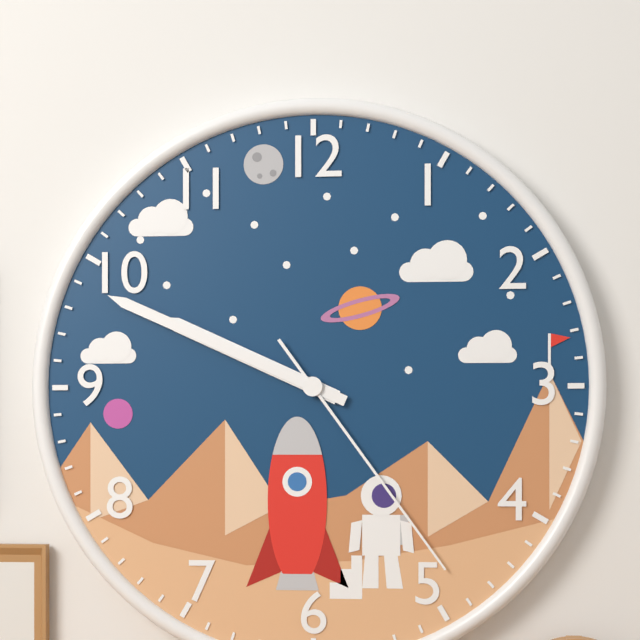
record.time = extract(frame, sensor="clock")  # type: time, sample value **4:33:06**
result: **9:49:24**
